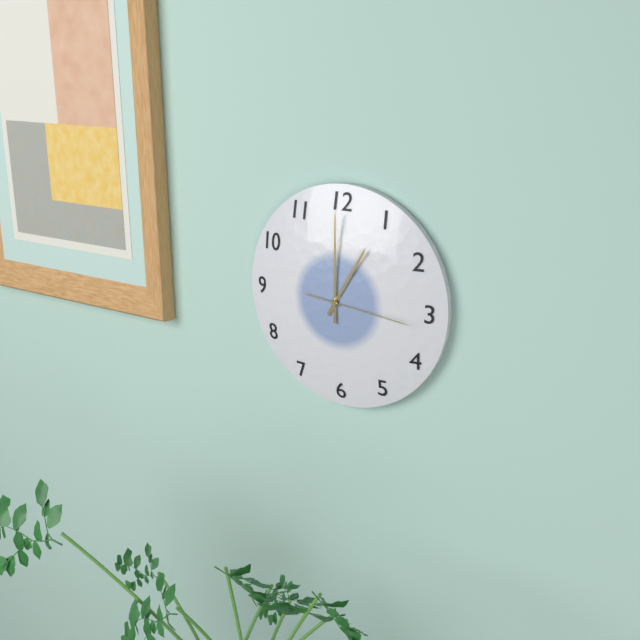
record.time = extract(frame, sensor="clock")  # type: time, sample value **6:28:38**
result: **1:00:16**
